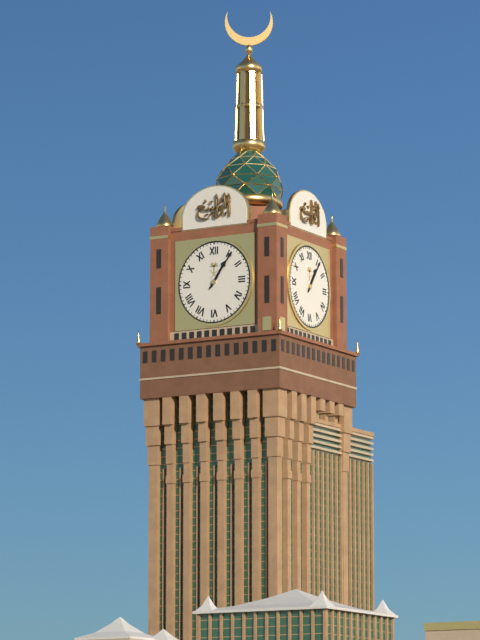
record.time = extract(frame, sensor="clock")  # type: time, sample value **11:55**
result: **1:06**
